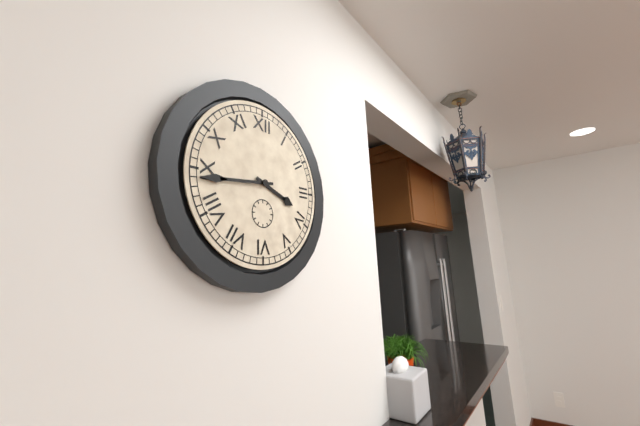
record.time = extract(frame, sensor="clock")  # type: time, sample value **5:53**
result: **3:44**
